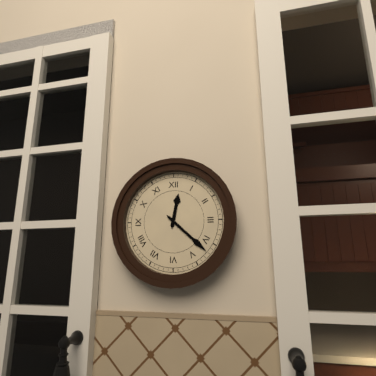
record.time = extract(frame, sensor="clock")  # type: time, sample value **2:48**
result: **12:22**
